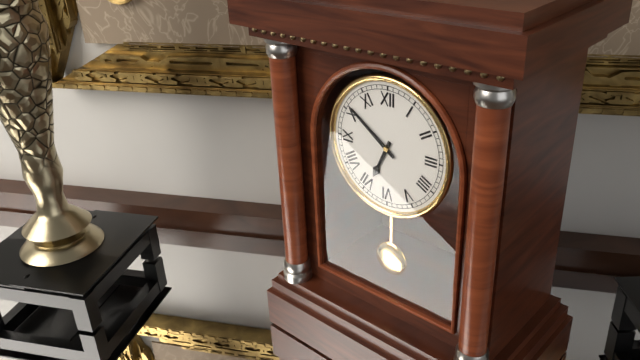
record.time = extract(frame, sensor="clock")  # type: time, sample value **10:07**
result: **6:51**
